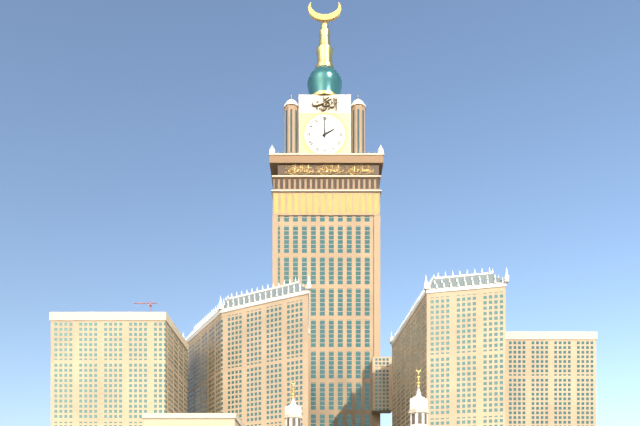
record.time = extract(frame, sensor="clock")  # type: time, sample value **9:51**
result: **2:00**
